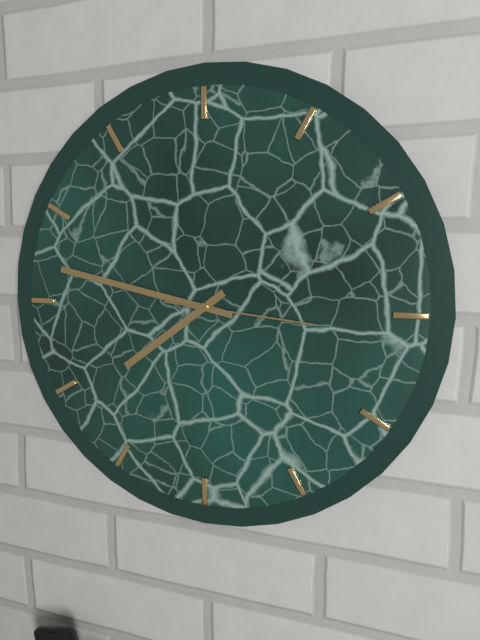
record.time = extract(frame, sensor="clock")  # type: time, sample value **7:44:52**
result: **7:47:16**
